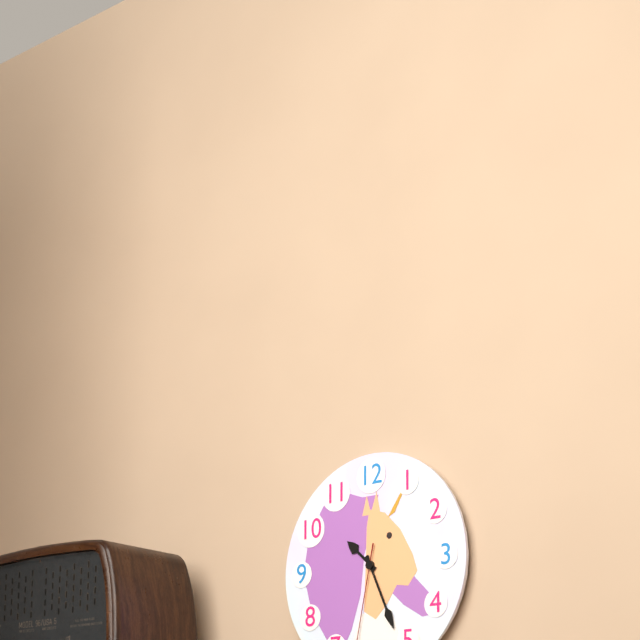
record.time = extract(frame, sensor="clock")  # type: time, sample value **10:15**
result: **10:26**
